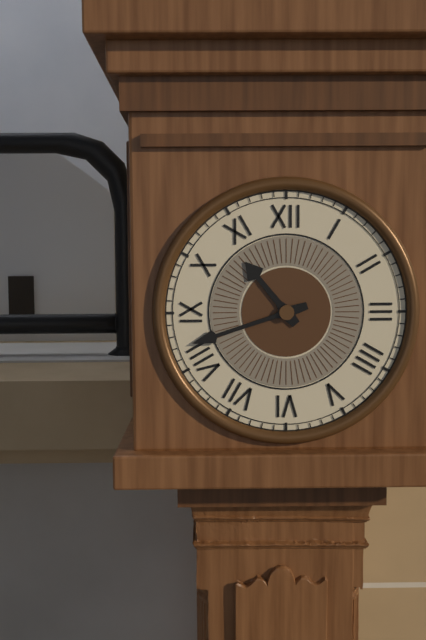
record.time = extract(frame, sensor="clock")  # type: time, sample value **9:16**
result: **10:42**
